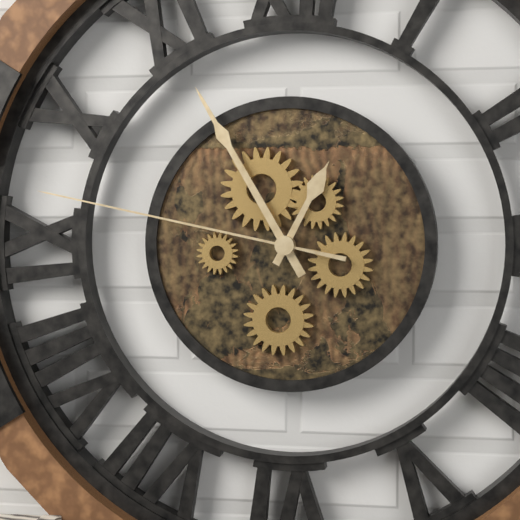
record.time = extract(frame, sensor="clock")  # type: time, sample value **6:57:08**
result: **12:55:47**
